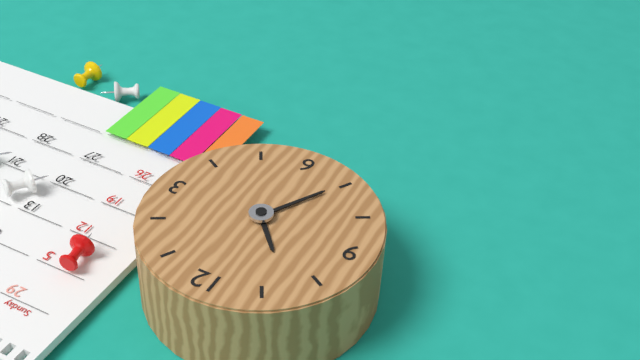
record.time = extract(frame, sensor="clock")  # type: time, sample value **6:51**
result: **10:35**
